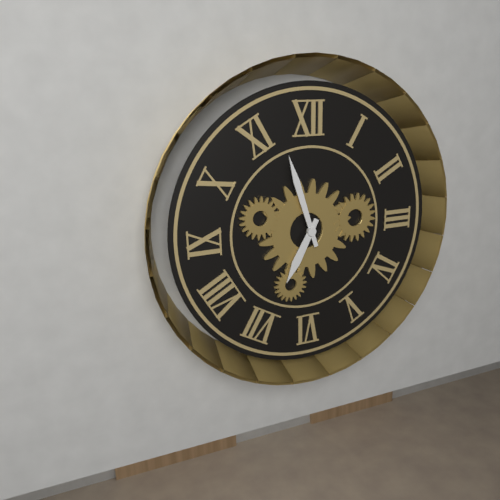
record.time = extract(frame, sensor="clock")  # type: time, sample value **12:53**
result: **6:57**
